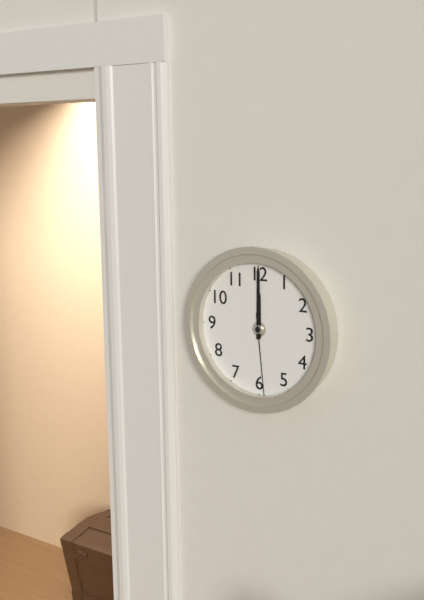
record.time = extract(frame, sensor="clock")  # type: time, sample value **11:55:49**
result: **12:00:29**
